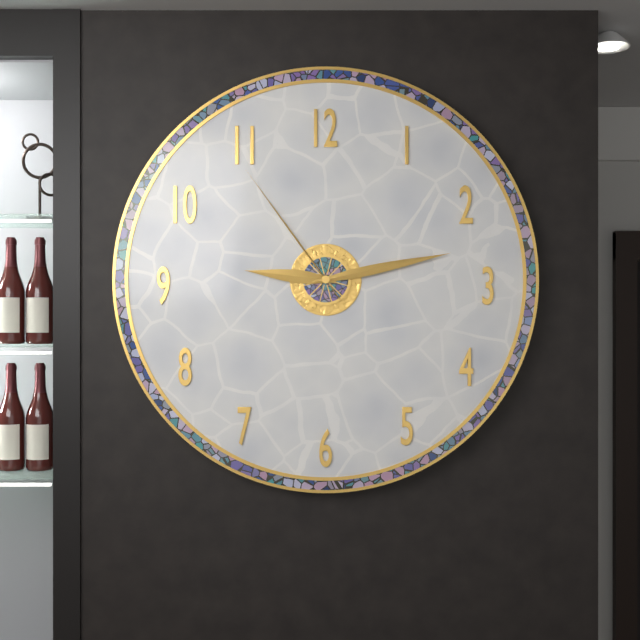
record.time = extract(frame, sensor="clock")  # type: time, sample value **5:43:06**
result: **9:13:54**
